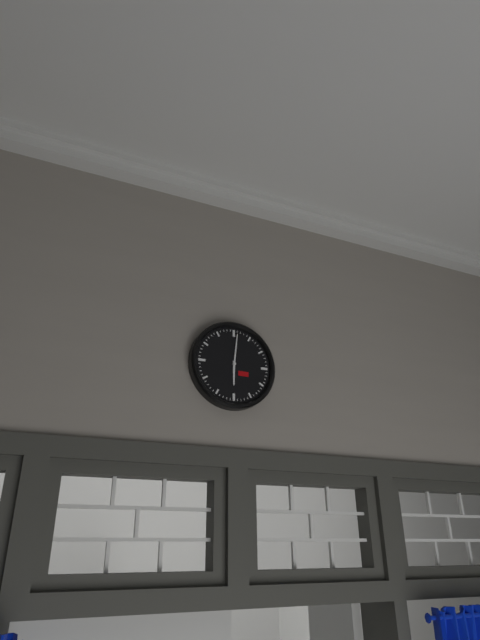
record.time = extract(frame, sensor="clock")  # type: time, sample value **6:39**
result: **6:01**
